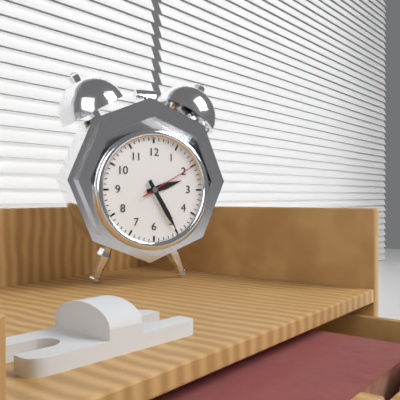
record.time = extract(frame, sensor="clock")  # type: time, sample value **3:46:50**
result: **2:25:10**
